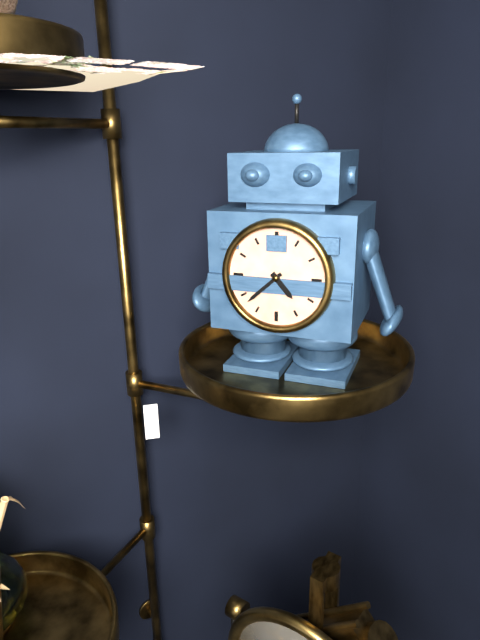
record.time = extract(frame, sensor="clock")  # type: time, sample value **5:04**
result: **4:38**
